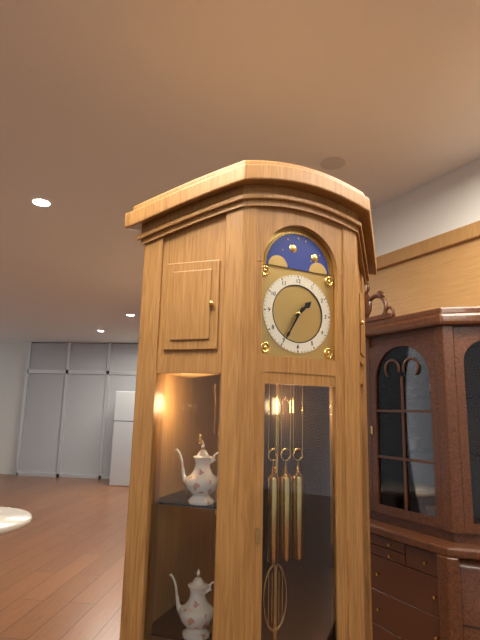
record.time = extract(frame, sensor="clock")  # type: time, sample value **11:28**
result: **1:35**
